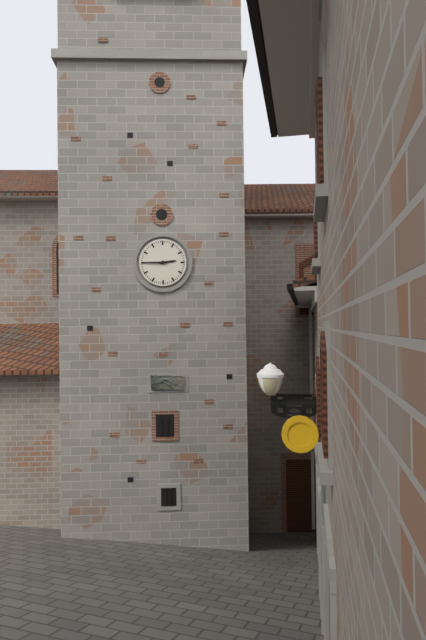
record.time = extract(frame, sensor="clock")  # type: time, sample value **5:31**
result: **2:45**
